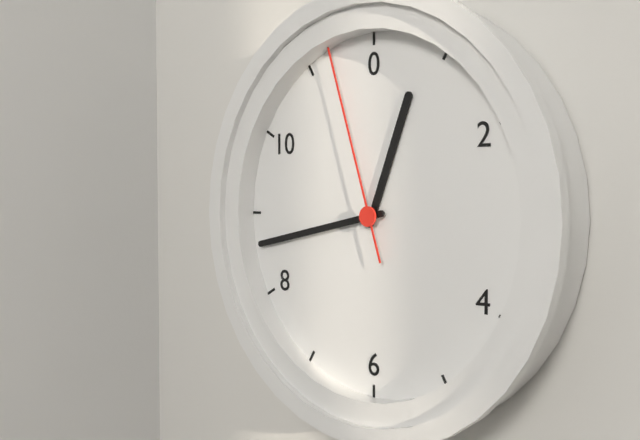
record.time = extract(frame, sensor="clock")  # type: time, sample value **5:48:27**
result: **12:43:57**
